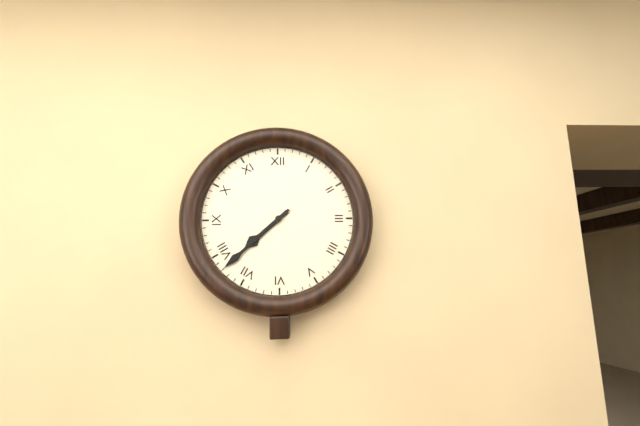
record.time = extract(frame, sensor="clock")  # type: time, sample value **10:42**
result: **7:38**
